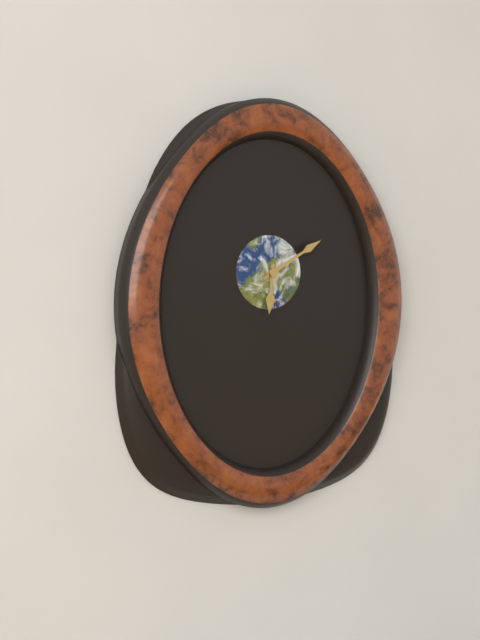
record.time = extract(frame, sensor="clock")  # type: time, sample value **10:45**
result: **6:10**
